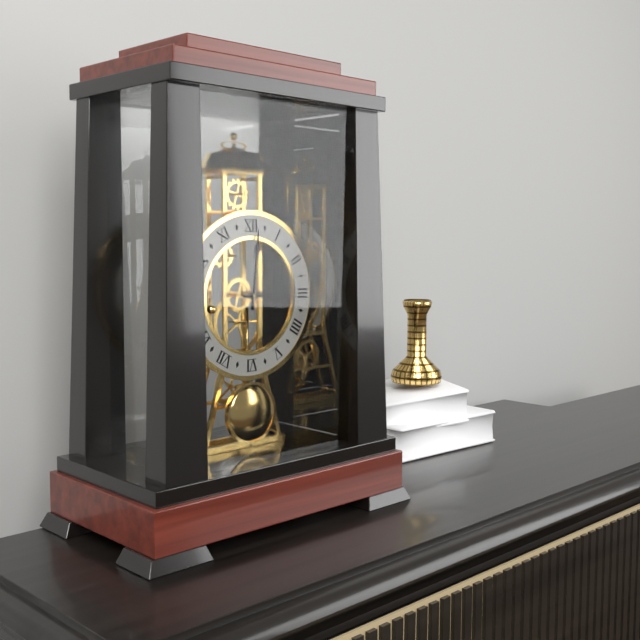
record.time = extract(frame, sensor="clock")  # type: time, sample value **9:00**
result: **3:01**
